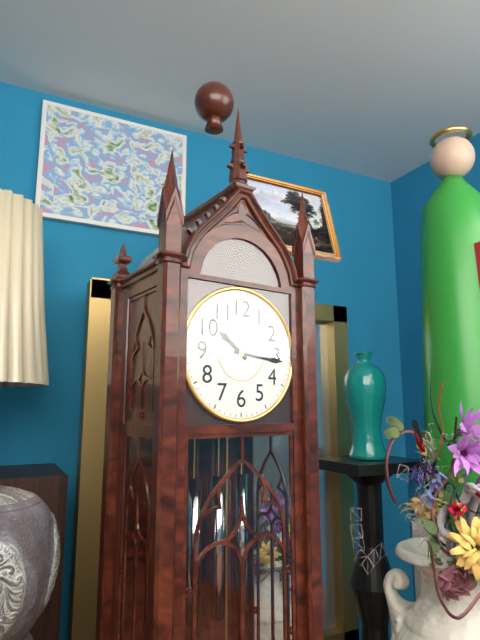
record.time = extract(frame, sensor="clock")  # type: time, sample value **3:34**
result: **10:16**
